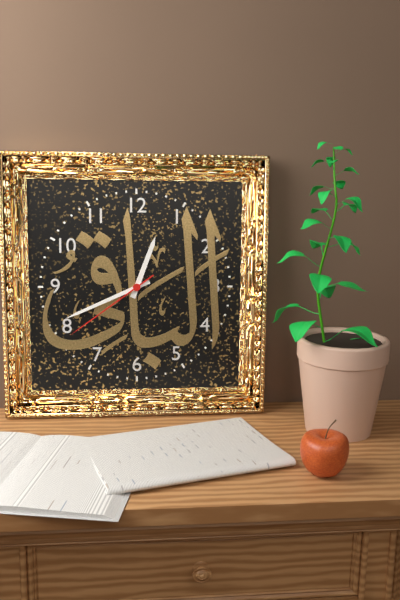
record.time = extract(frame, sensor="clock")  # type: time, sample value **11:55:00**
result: **12:41:39**
